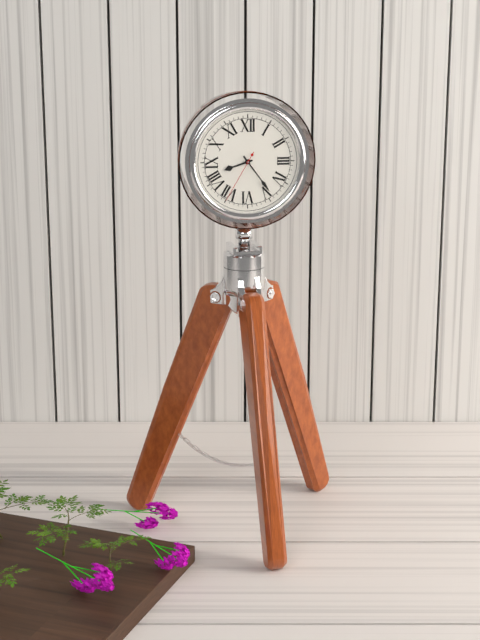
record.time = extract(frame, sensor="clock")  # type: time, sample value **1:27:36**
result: **8:24:35**
